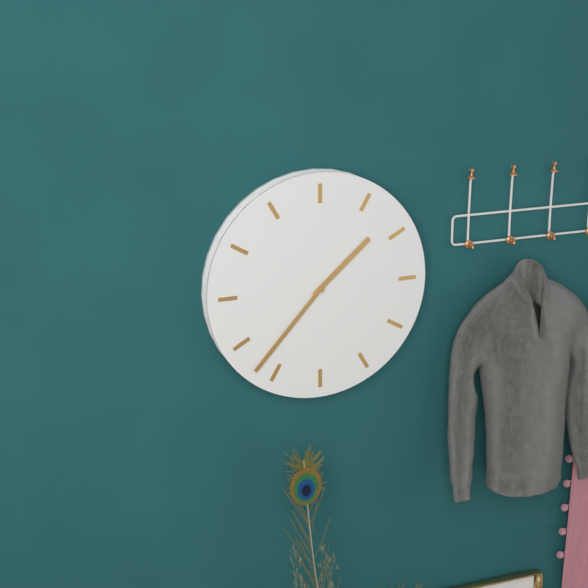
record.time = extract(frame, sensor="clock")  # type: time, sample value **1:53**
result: **1:37**
